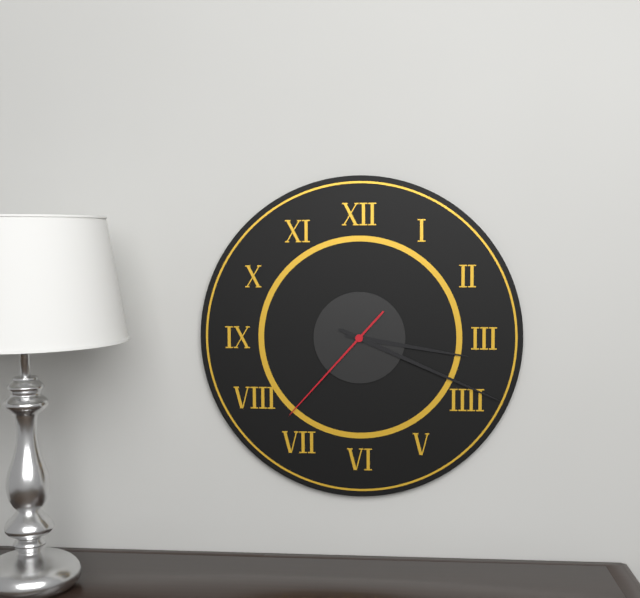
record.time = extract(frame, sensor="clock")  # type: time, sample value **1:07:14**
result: **3:19:37**
